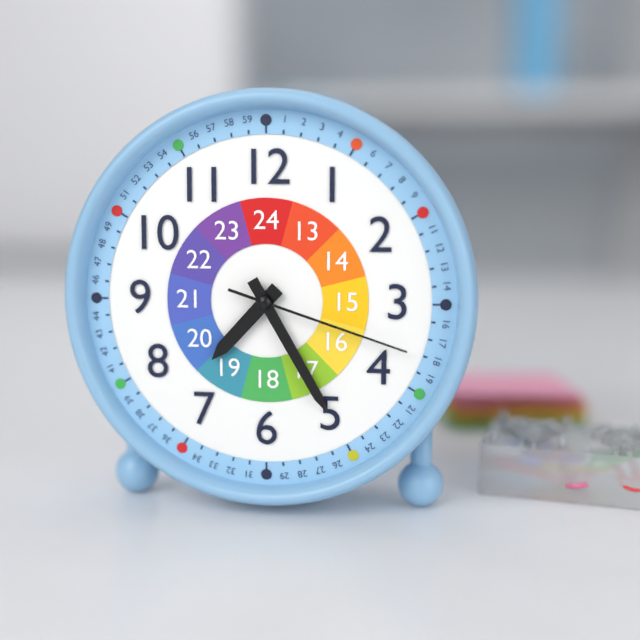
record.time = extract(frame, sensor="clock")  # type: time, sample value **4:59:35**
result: **7:25:18**
